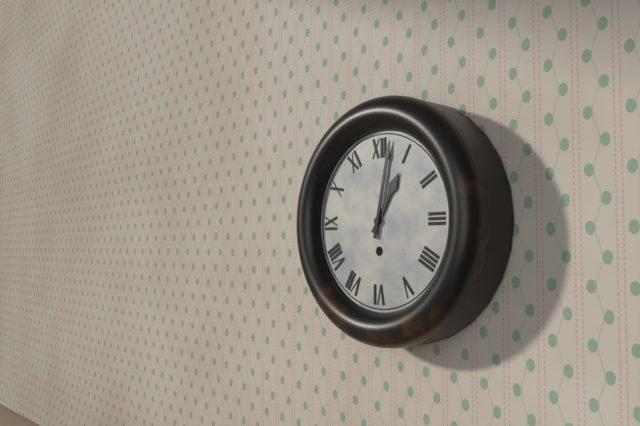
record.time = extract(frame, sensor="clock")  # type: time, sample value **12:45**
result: **1:02**
